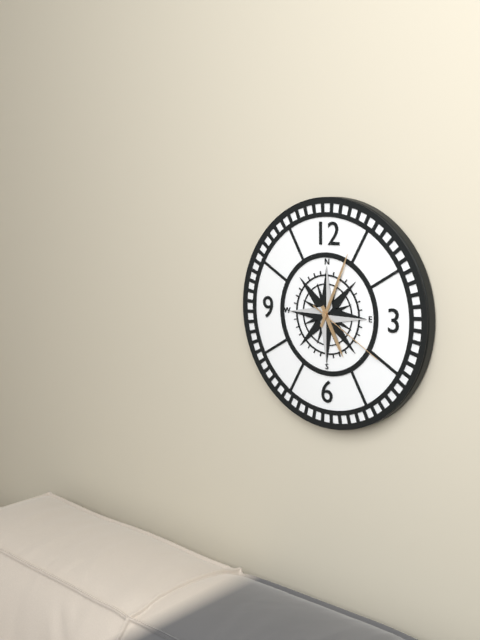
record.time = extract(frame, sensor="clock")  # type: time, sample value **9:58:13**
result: **5:04:20**
